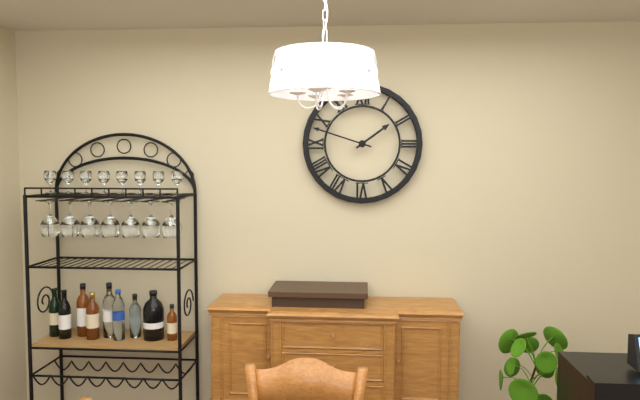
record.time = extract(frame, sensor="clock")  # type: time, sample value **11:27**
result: **1:48**
